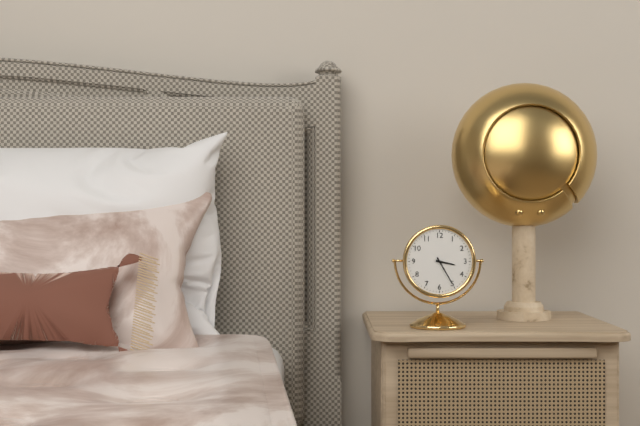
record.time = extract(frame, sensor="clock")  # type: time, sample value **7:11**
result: **3:25**
